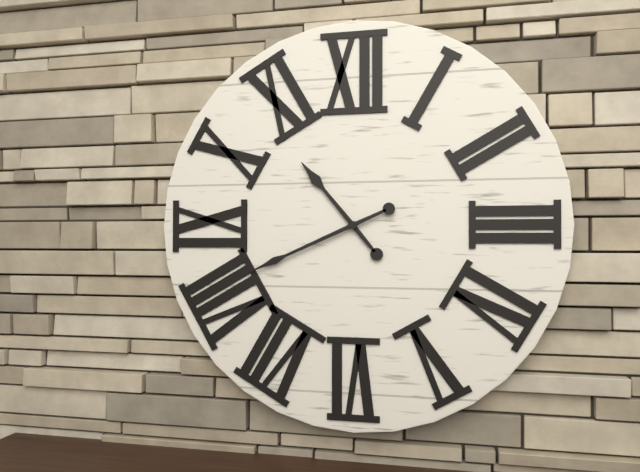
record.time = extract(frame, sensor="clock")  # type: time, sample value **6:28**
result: **10:41**
